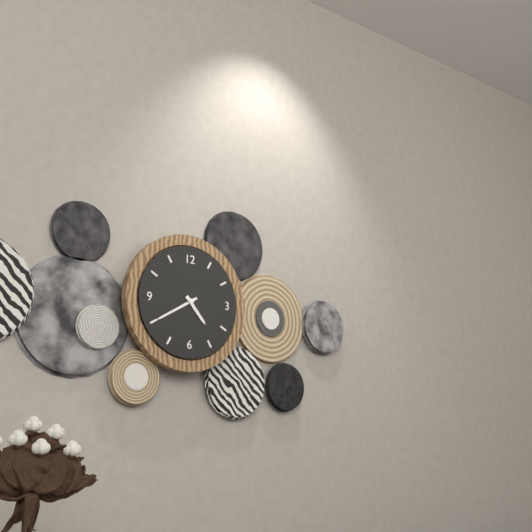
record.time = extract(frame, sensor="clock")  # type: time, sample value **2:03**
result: **4:40**
